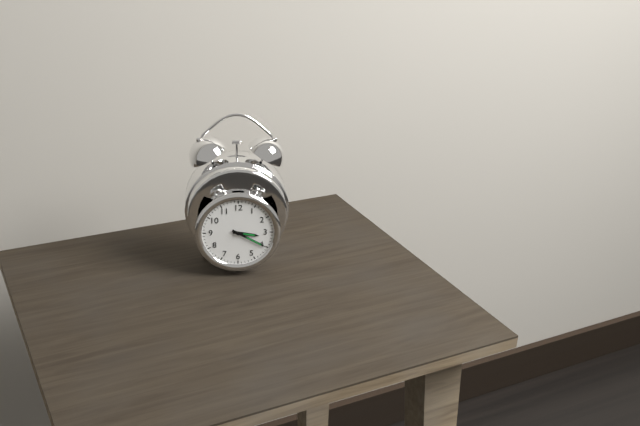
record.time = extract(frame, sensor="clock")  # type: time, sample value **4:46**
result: **3:20**
